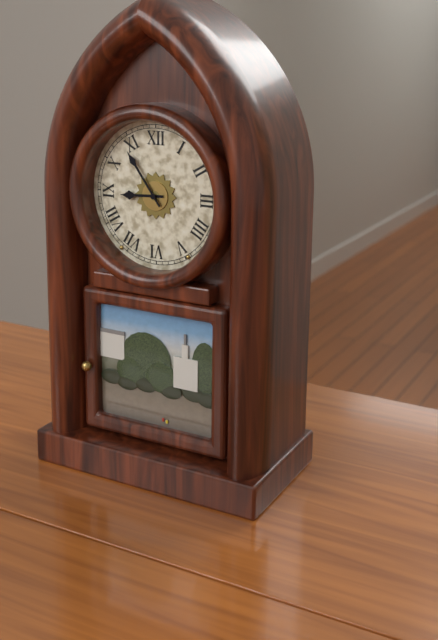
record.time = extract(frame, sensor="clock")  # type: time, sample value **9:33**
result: **8:54**
